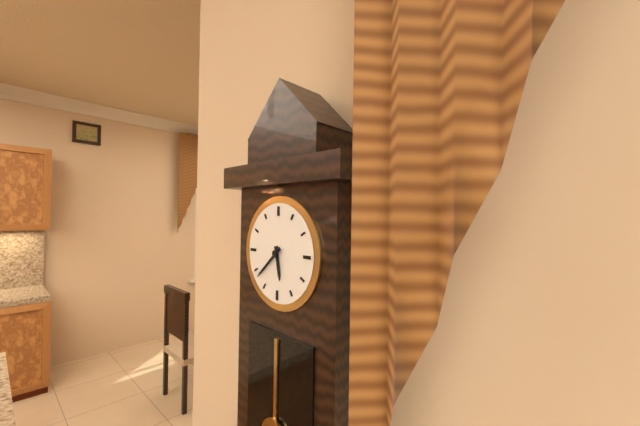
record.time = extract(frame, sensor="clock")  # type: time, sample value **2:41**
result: **5:38**
